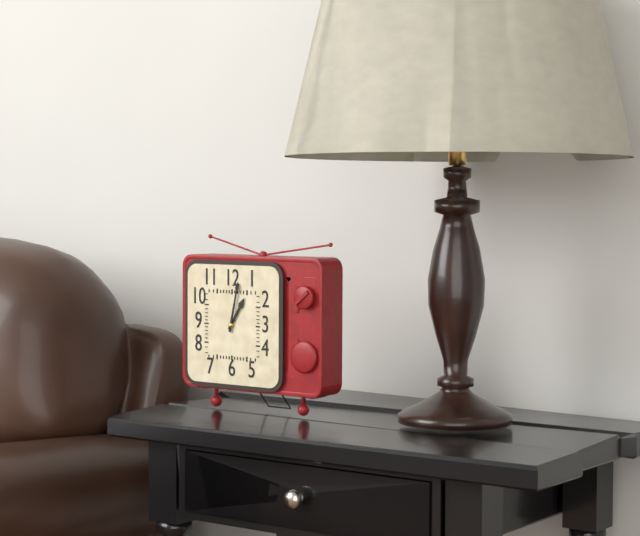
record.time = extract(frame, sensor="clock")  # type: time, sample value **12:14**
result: **1:02**
